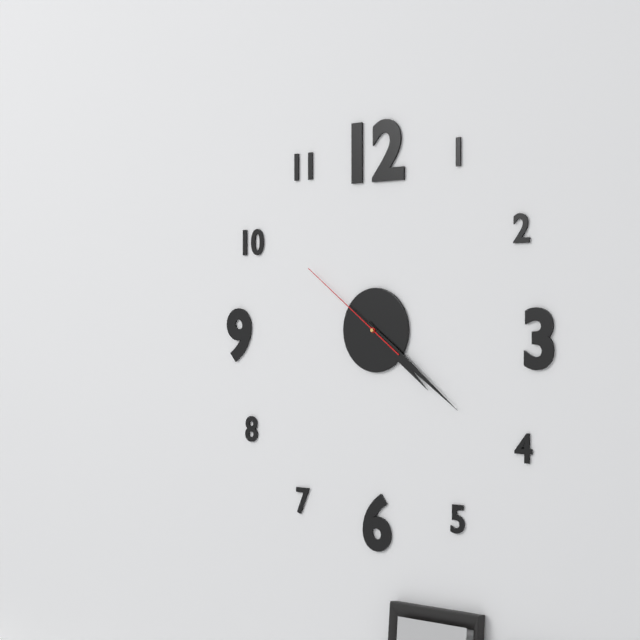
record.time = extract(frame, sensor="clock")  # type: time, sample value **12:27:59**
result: **4:21:51**
